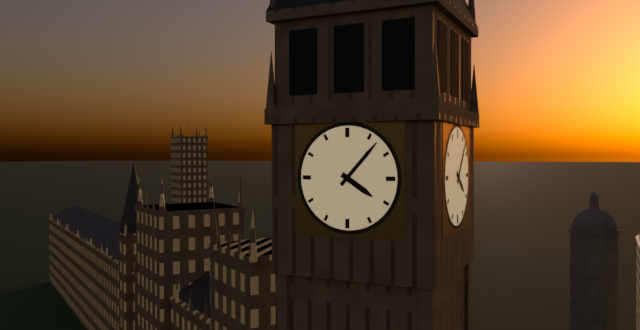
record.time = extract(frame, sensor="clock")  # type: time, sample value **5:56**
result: **4:07**
